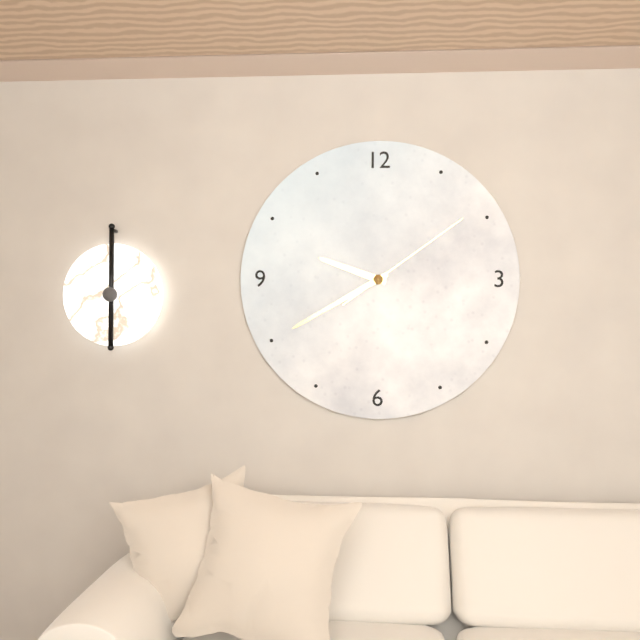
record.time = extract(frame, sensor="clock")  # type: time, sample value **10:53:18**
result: **9:40:09**
